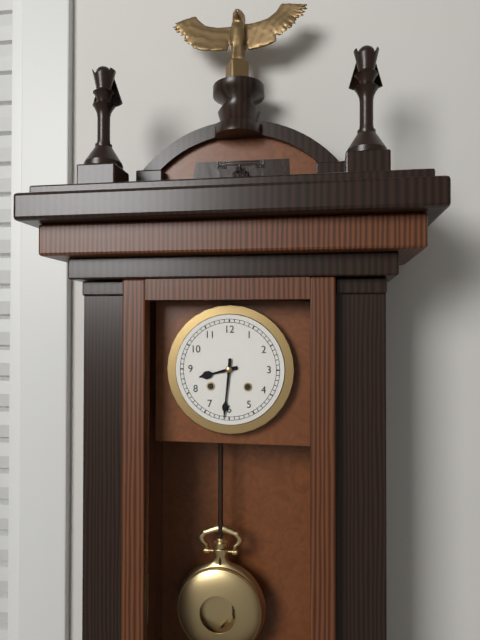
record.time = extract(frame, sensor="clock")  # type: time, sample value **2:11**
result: **8:31**
